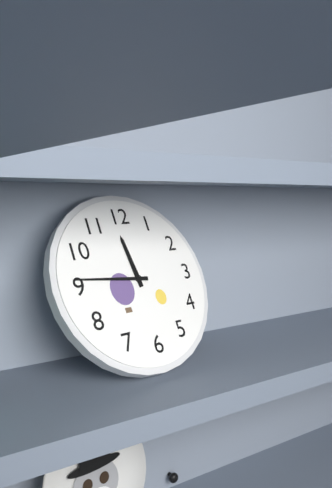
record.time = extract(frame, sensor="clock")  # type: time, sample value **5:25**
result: **11:46**
